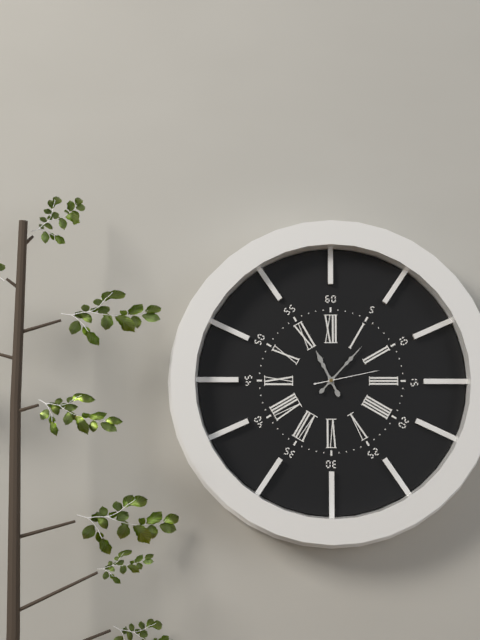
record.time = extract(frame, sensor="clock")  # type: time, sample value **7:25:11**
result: **11:07:13**
